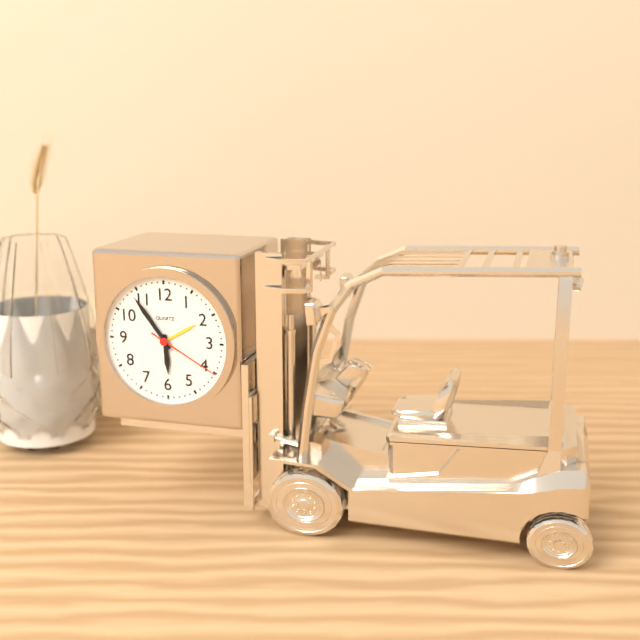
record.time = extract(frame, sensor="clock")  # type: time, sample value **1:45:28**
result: **5:54:20**
